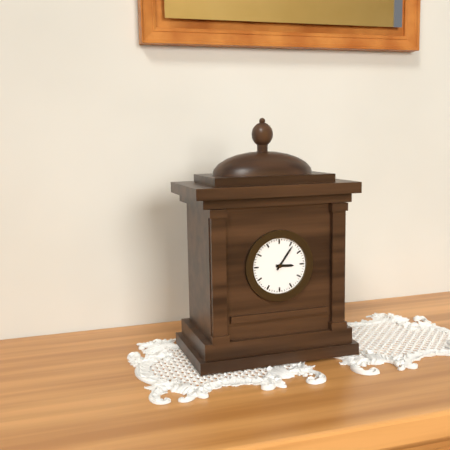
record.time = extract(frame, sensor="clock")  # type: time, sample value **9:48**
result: **3:06**
